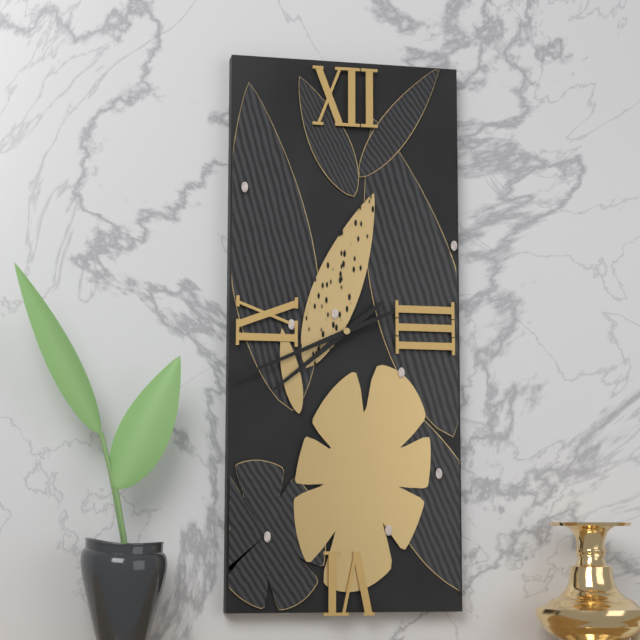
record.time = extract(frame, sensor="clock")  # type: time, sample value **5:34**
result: **7:41**
